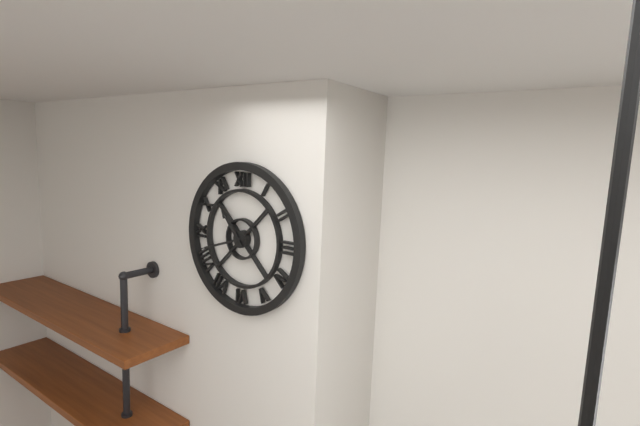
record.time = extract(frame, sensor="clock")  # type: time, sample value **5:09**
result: **10:42**
